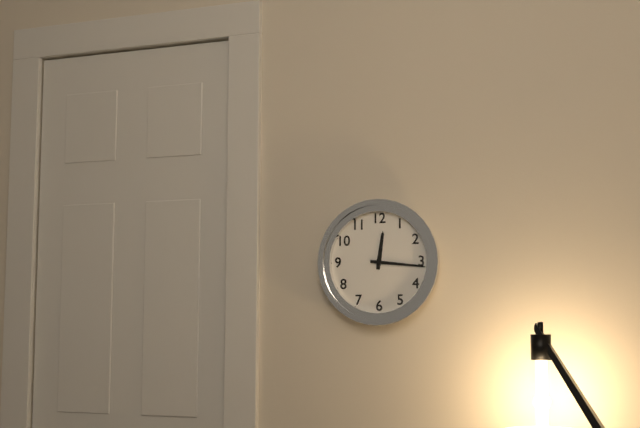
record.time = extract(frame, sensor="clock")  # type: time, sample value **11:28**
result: **12:16**
